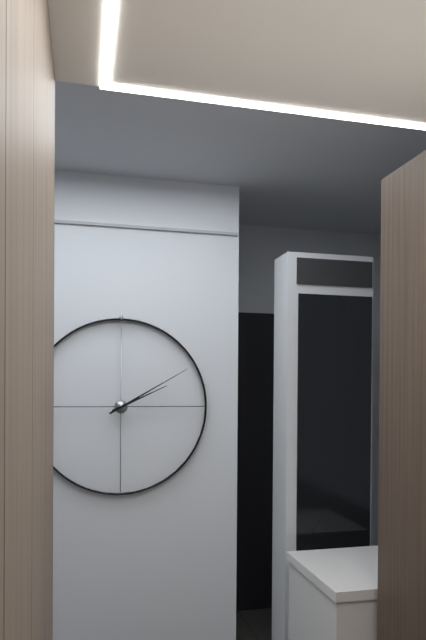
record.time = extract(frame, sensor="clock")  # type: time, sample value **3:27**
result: **2:10**
